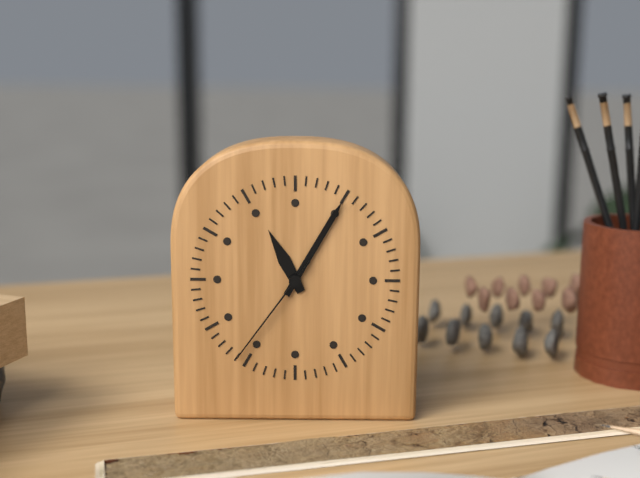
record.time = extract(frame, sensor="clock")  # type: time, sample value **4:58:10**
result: **11:05:36**
